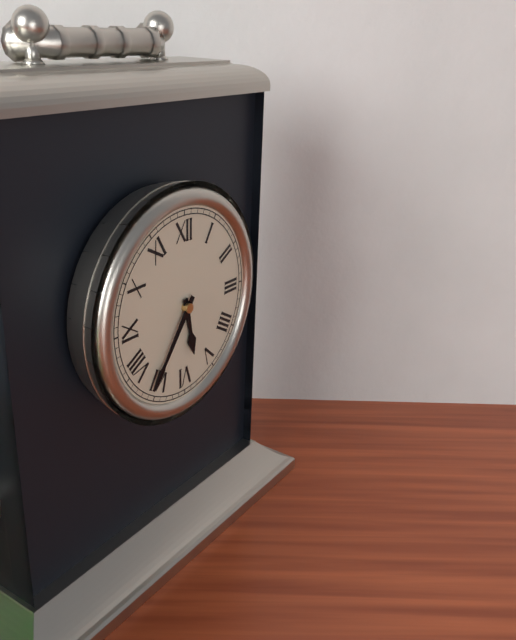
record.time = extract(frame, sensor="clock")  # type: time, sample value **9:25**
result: **5:36**
